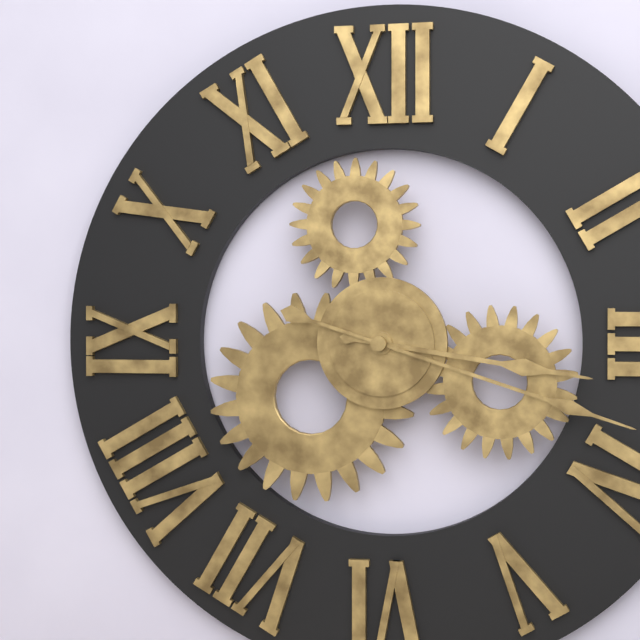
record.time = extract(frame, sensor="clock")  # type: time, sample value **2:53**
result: **3:18**
